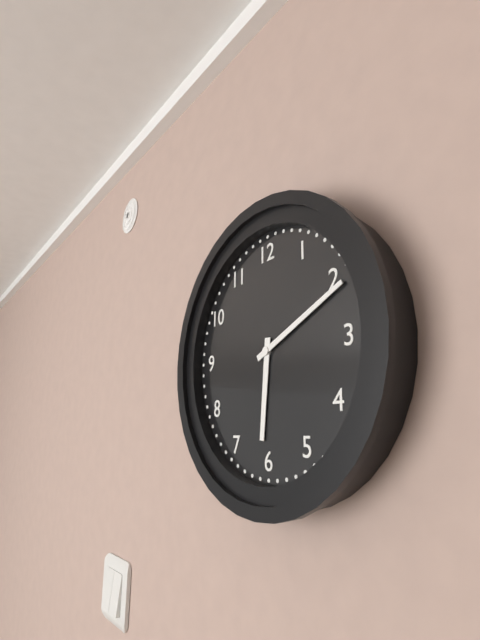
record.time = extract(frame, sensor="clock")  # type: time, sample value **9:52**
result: **6:11**
